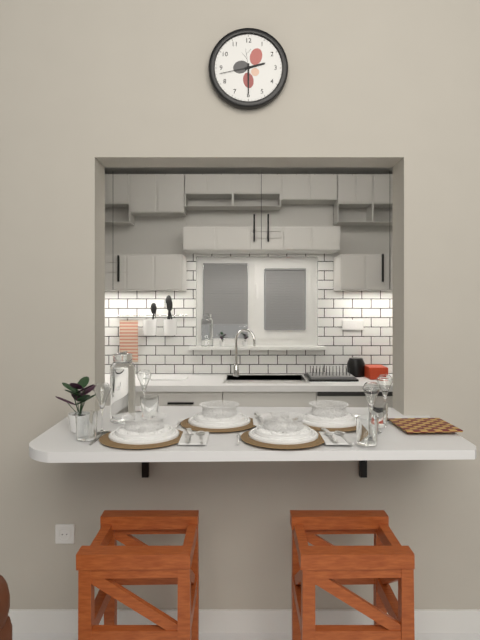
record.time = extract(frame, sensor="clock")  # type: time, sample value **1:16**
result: **2:30**
